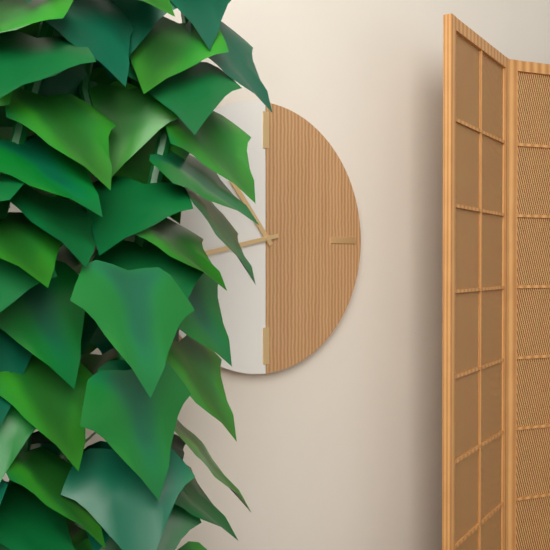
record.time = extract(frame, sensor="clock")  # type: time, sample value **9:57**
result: **10:43**
